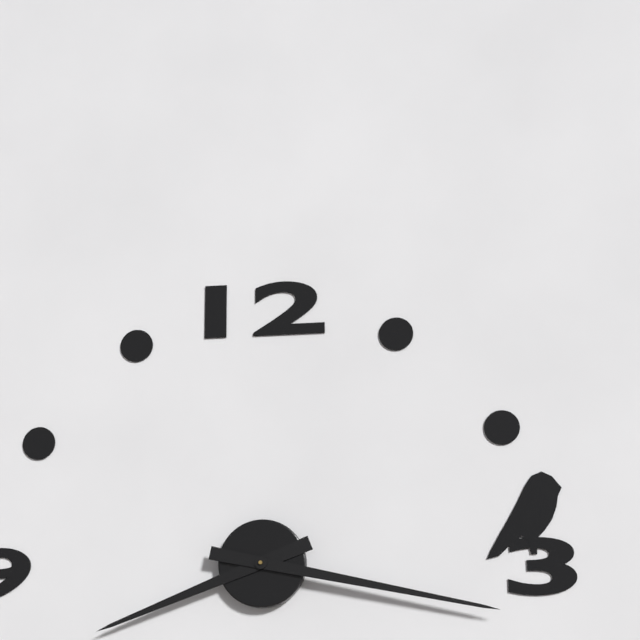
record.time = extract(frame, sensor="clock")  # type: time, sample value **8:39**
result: **8:17**
